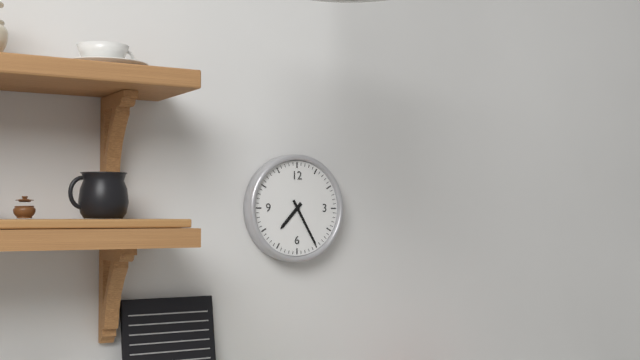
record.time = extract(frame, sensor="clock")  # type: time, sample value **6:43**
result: **7:25**
